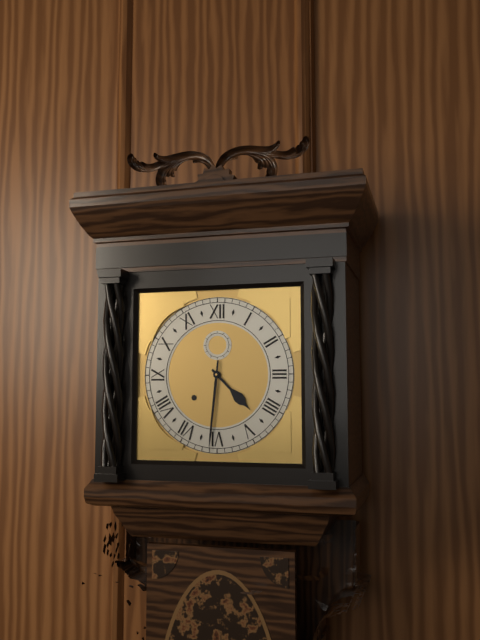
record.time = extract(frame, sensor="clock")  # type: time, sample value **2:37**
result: **4:31**
